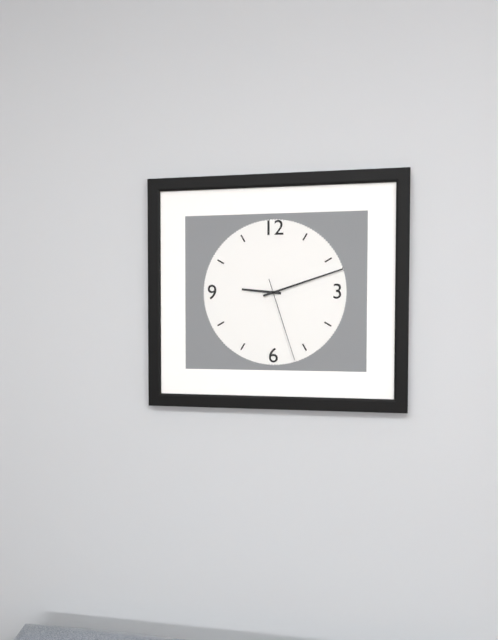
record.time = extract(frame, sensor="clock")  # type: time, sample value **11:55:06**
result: **9:12:27**
